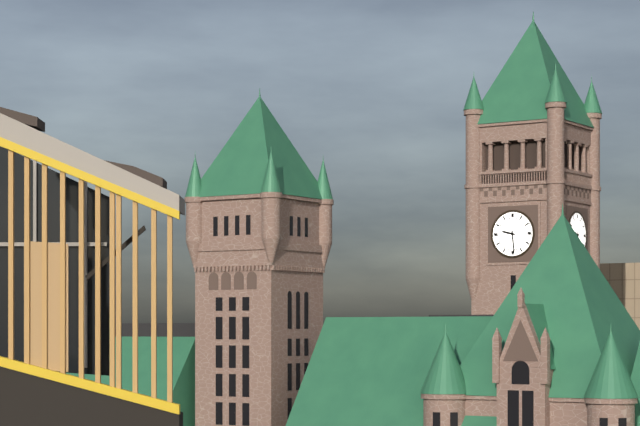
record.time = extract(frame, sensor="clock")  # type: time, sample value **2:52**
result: **9:29**
